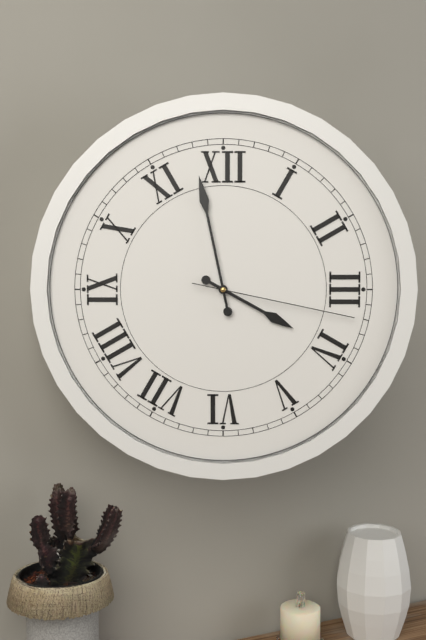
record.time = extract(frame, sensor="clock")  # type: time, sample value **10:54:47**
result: **3:58:17**
